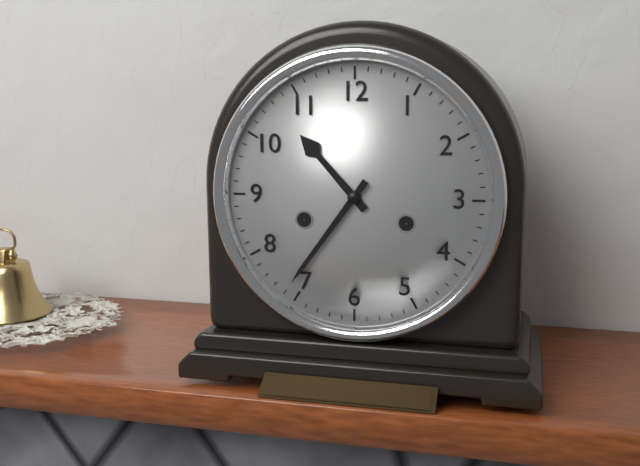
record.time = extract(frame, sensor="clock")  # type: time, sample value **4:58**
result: **10:36**
